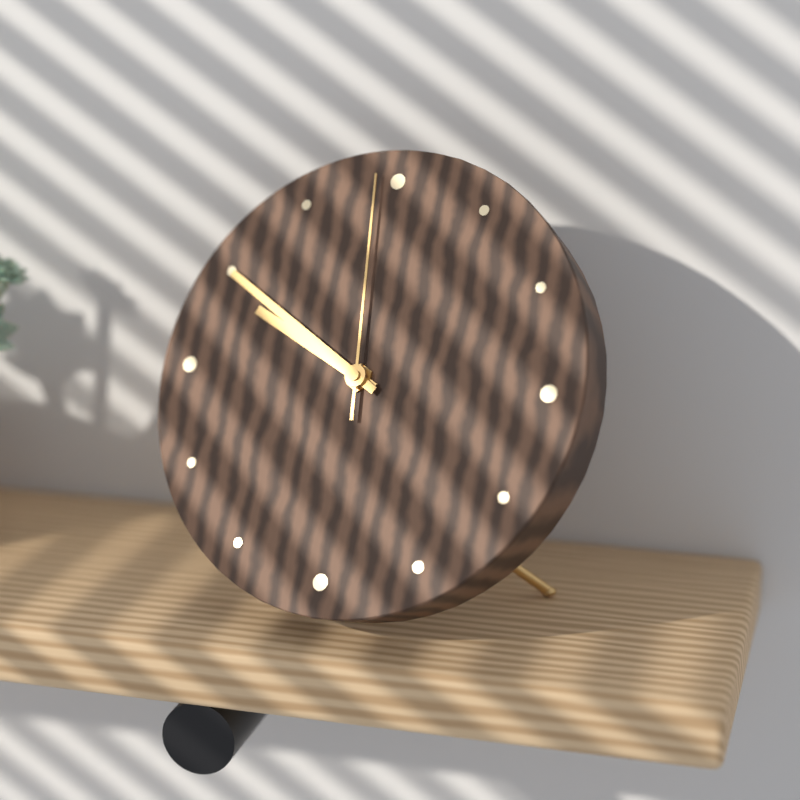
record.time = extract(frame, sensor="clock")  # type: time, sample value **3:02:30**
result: **9:50:59**
